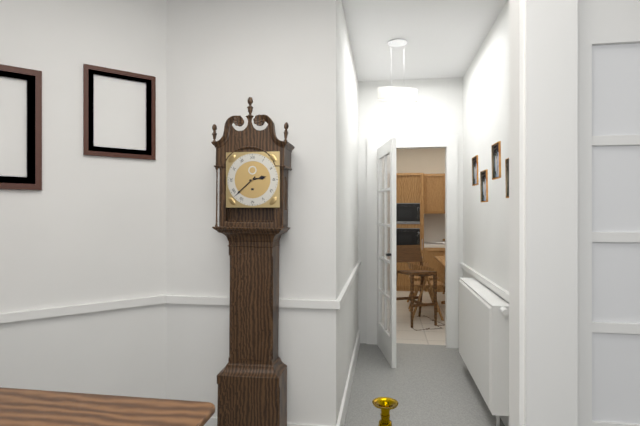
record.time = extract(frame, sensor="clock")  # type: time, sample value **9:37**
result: **2:38**
